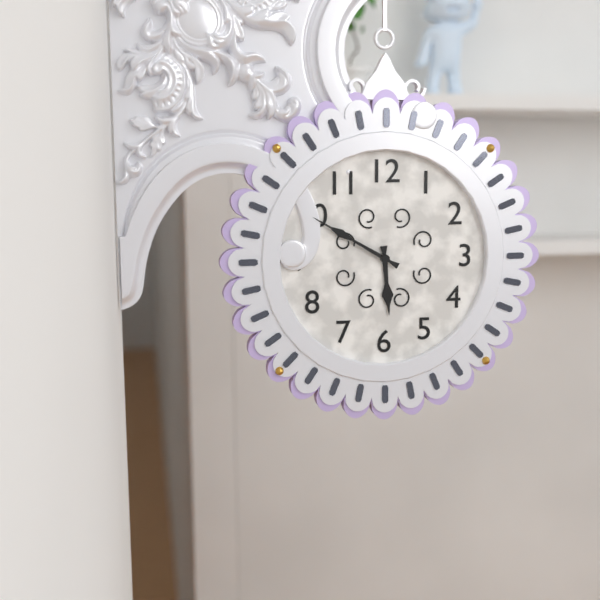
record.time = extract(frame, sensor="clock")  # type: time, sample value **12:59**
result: **5:50**
